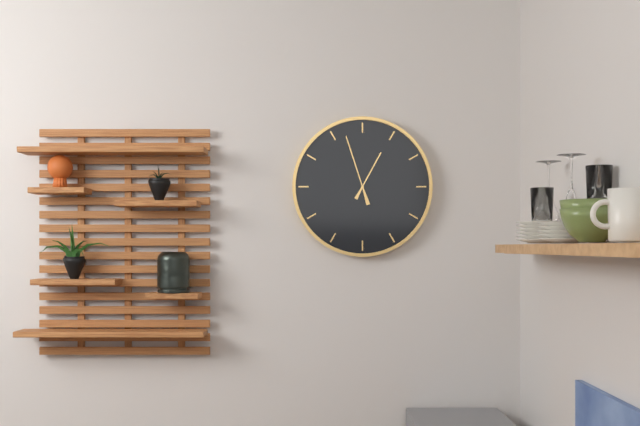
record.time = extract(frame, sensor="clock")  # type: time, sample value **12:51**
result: **12:57**
